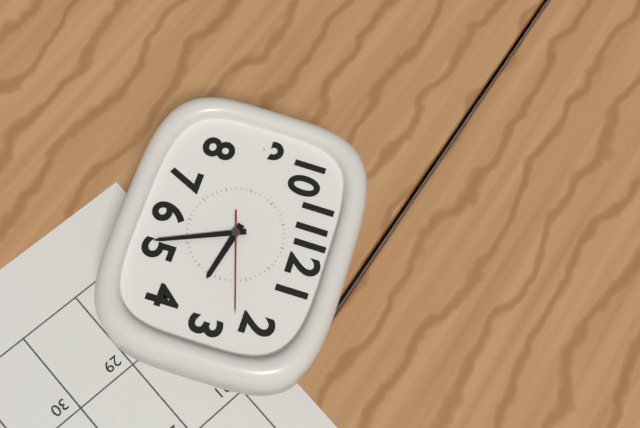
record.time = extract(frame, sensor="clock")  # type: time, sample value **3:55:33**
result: **3:26:12**
